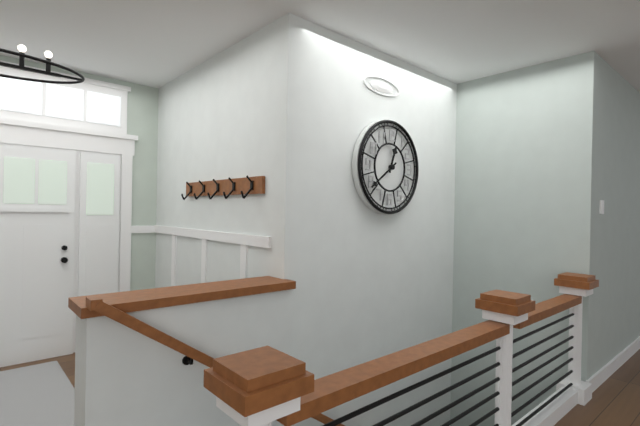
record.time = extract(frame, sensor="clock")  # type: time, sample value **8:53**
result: **12:39**
